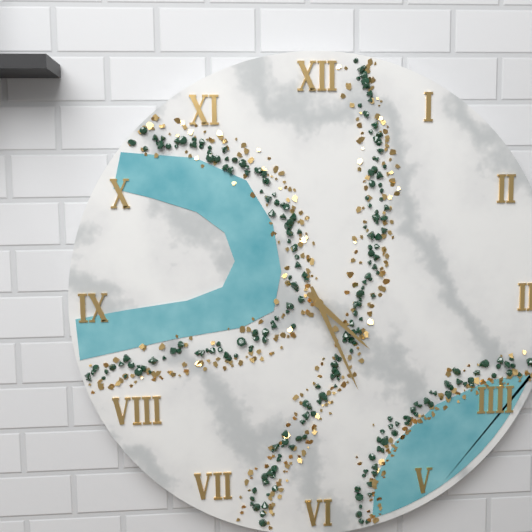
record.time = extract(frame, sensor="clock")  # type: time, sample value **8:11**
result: **4:26**
